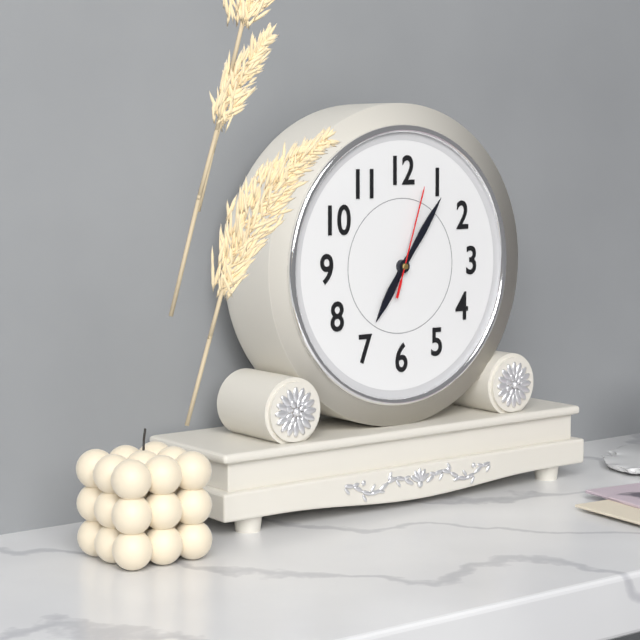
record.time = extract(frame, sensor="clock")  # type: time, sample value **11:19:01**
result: **7:06:03**
